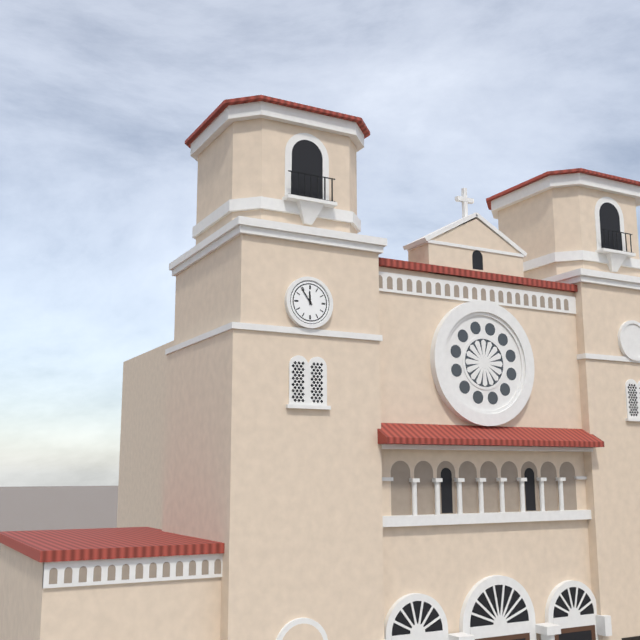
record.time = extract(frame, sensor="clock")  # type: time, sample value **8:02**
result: **11:54**
